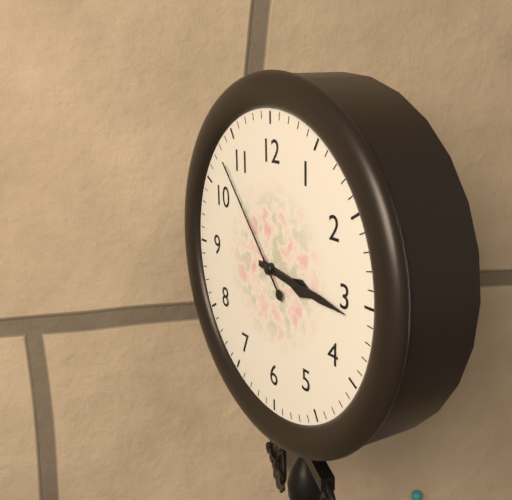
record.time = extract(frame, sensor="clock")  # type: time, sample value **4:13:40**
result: **3:16:53**
